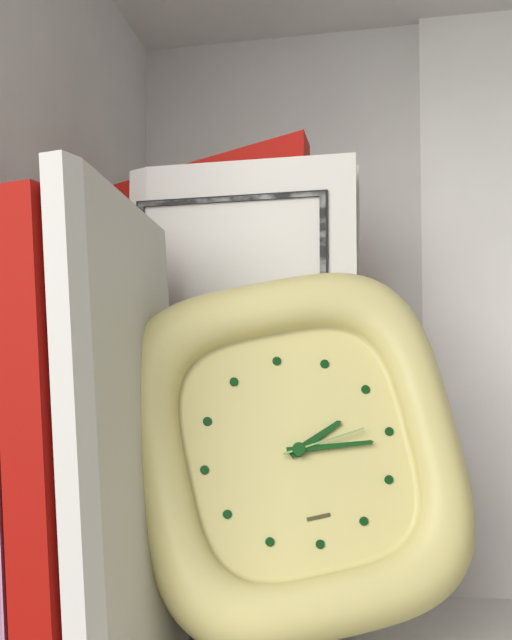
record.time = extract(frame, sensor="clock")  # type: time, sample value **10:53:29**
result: **2:16:14**
